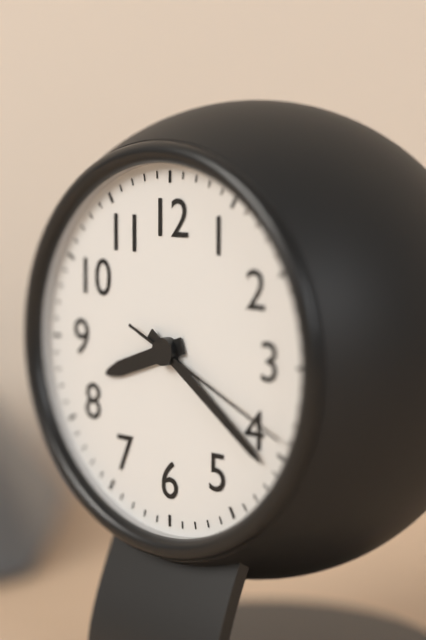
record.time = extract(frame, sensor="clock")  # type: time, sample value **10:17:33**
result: **8:21:19**
